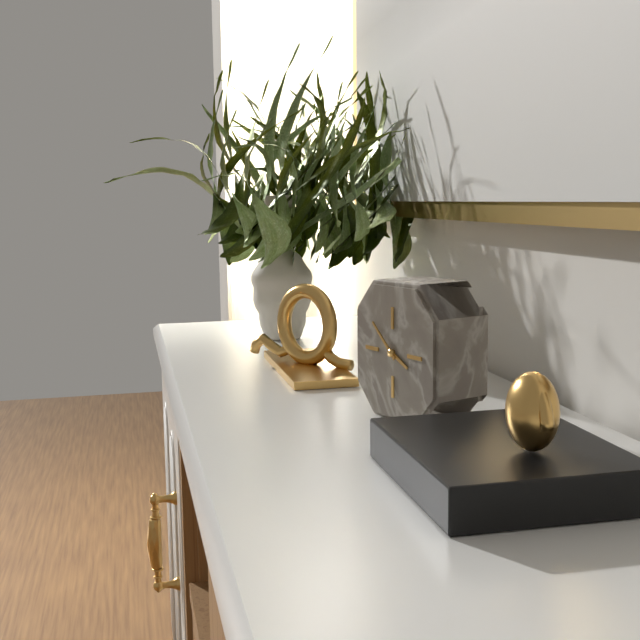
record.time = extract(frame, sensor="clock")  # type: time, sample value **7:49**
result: **3:52**
